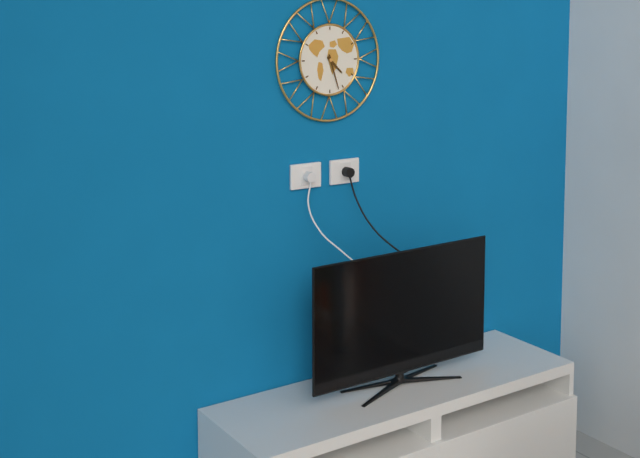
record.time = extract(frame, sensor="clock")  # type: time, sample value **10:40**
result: **4:27**
